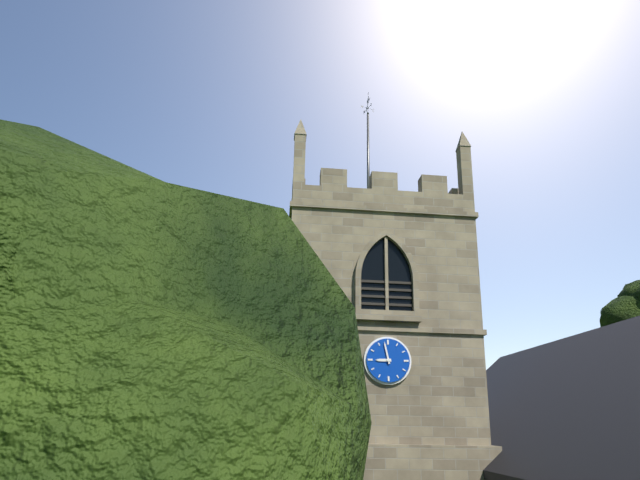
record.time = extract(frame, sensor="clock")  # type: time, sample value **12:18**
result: **8:58**
